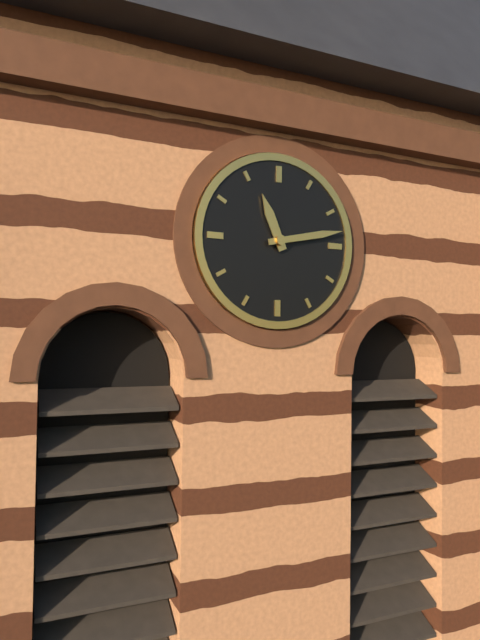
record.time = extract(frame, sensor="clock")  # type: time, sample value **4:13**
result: **11:13**
